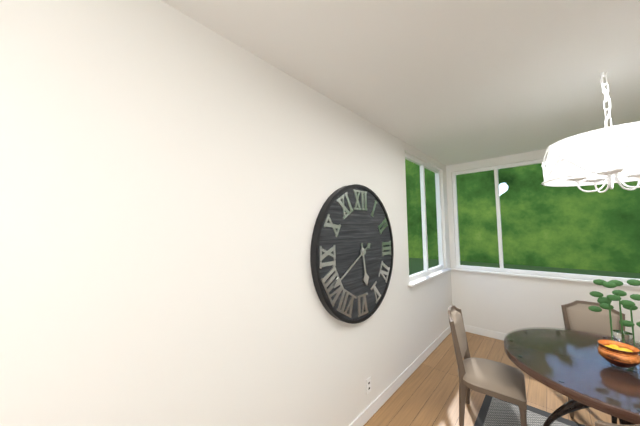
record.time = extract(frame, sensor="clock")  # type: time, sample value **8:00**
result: **5:40**
